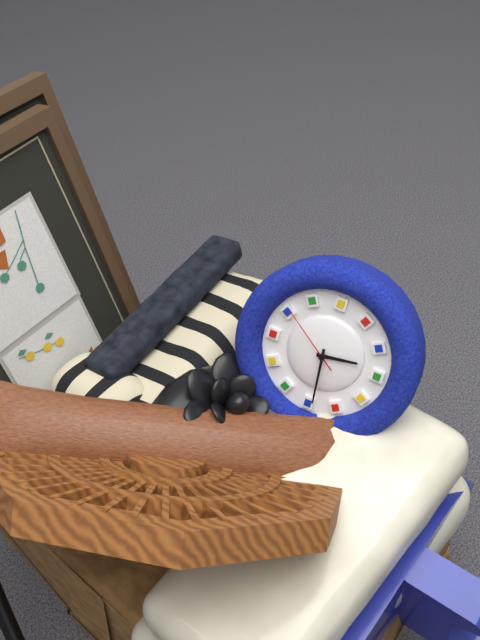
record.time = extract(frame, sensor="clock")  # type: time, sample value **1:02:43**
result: **4:39:01**
